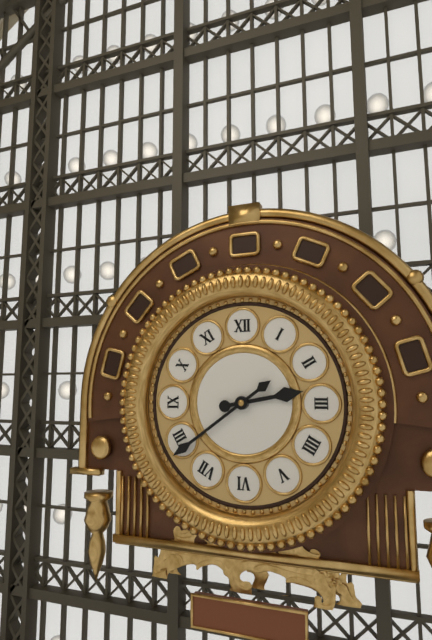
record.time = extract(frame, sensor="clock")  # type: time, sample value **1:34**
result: **2:39**
